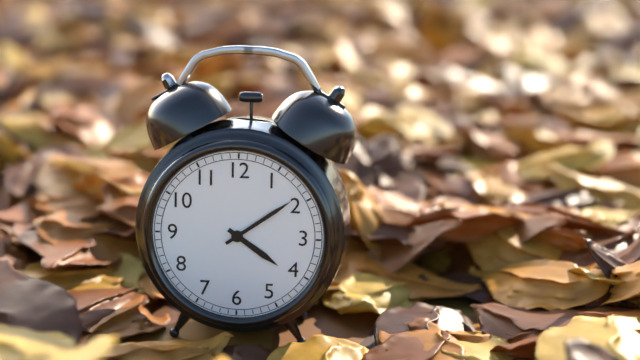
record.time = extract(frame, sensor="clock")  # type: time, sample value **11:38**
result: **4:09**
